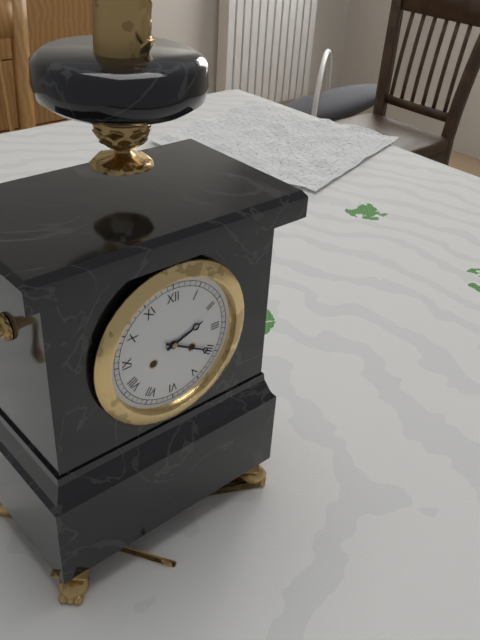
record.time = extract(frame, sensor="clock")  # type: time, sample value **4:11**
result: **2:20**
